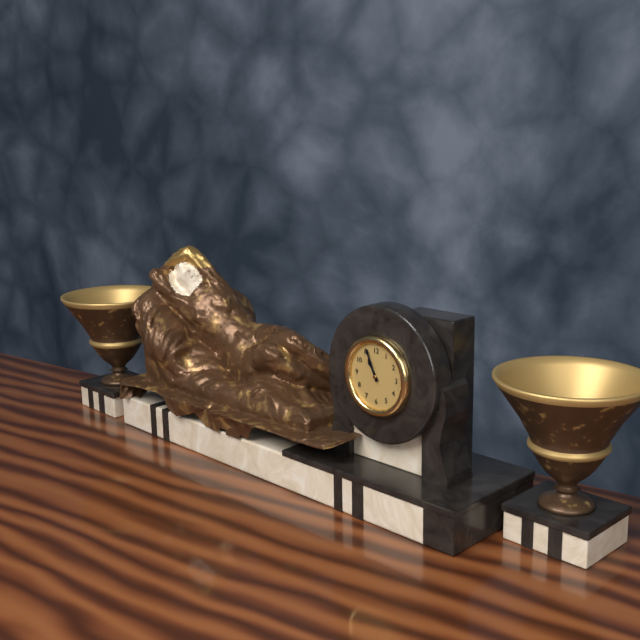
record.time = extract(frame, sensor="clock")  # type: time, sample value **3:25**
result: **10:56**
